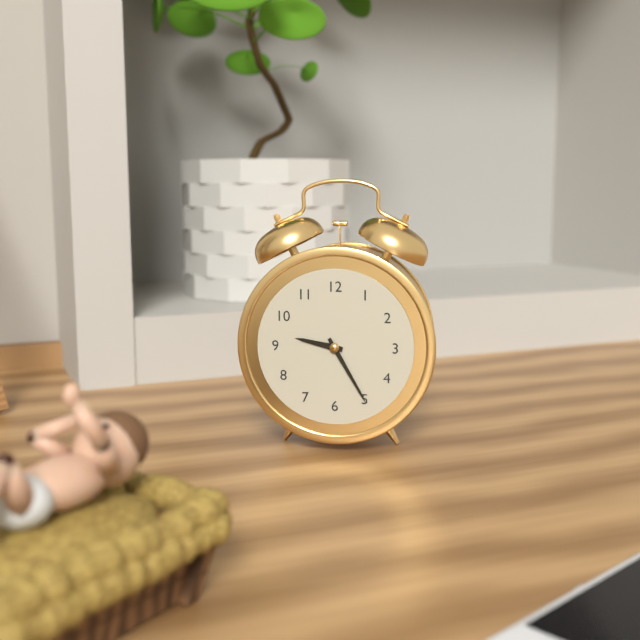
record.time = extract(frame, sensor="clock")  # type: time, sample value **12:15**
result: **9:25**
